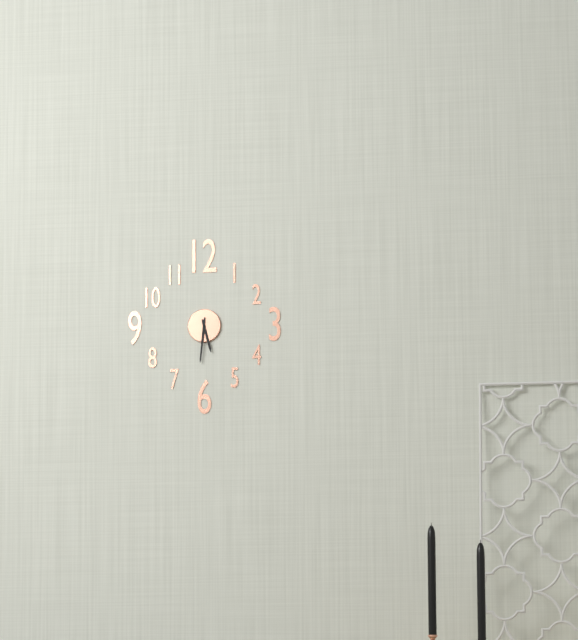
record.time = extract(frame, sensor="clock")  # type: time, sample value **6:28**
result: **5:31**
